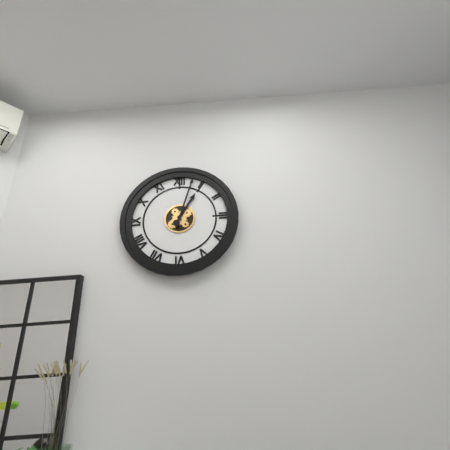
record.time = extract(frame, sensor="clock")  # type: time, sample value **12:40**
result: **1:03**
